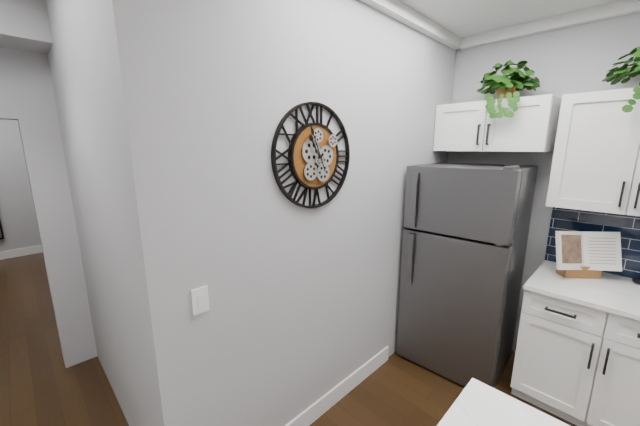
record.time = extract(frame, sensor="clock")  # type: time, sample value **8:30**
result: **10:56**
